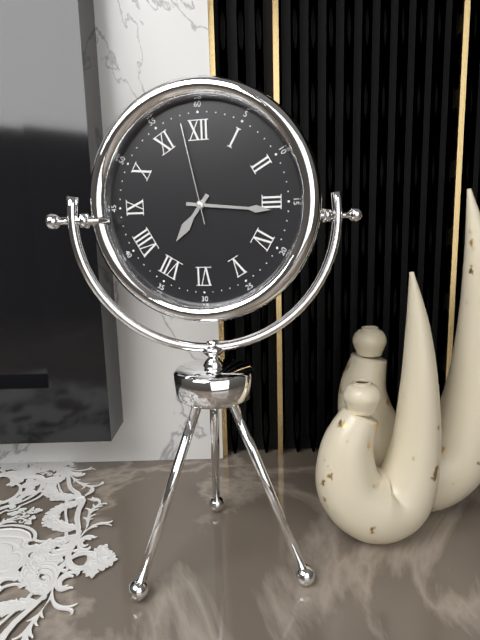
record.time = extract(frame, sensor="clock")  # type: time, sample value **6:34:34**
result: **7:16:58**
